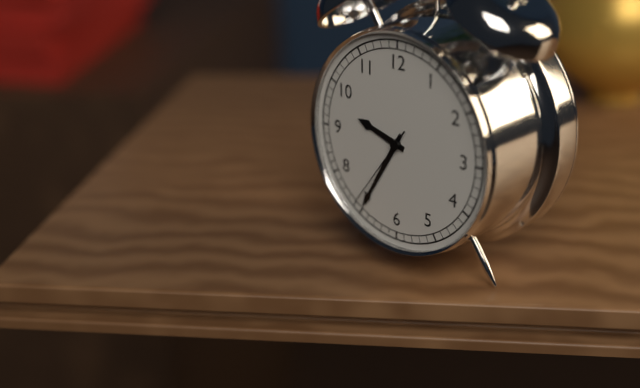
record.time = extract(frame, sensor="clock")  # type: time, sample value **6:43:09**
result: **9:35:36**
